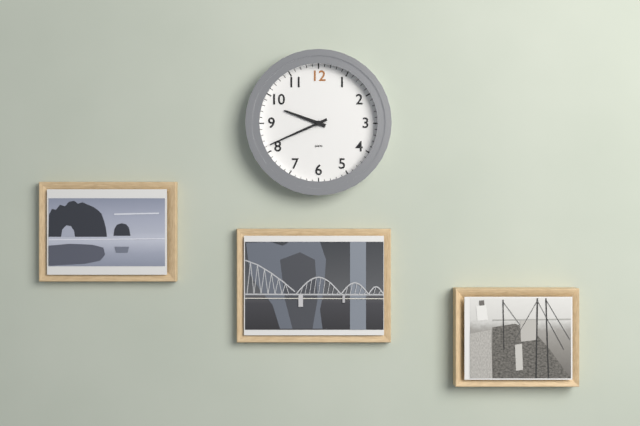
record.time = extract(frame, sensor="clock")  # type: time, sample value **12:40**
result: **9:41**
